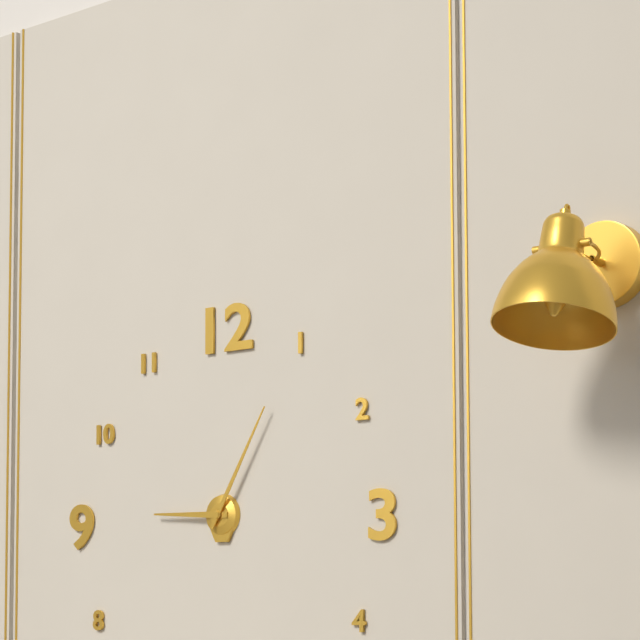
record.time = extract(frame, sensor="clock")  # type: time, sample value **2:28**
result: **9:05**
